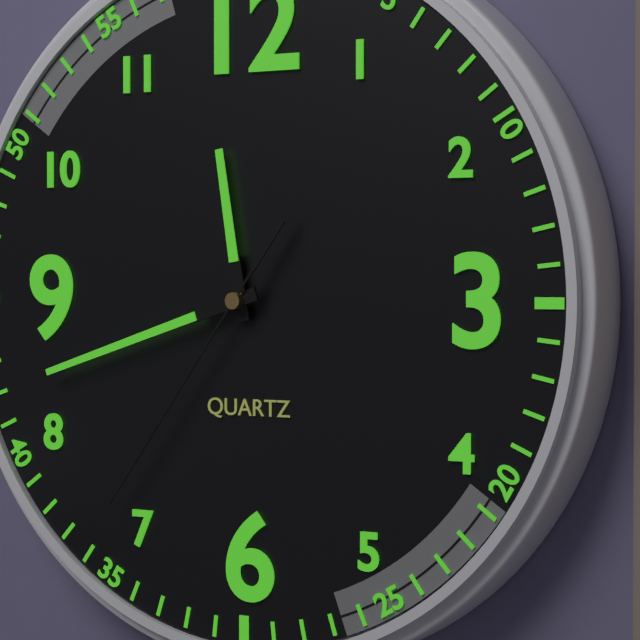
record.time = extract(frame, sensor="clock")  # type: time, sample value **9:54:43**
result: **11:42:36**
